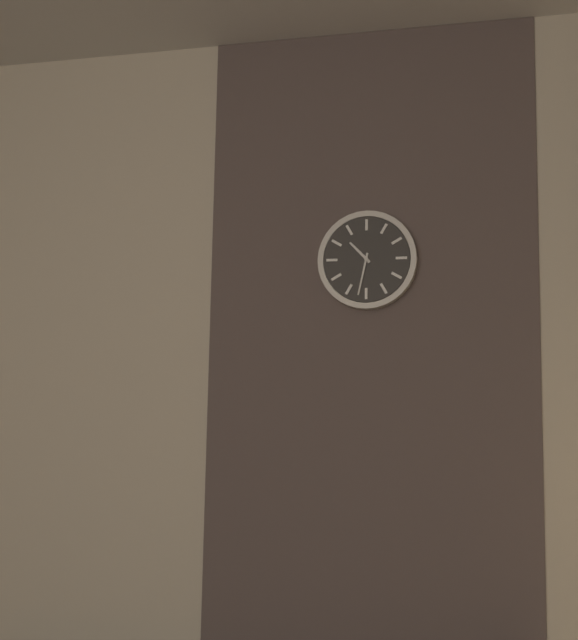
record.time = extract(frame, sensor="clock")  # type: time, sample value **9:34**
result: **10:32**
